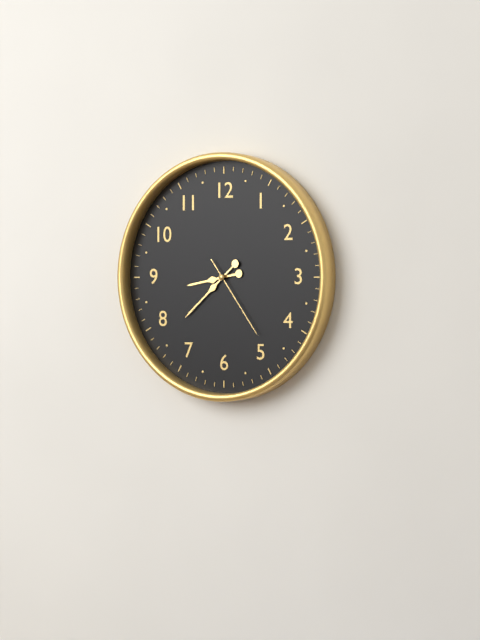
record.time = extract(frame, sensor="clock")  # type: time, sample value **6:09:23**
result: **8:38:24**
